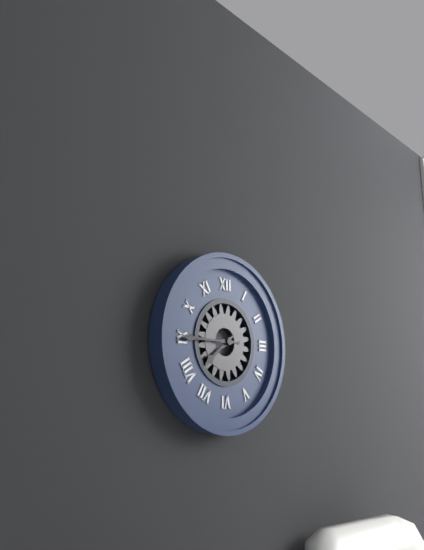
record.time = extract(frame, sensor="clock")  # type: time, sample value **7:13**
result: **7:45**
